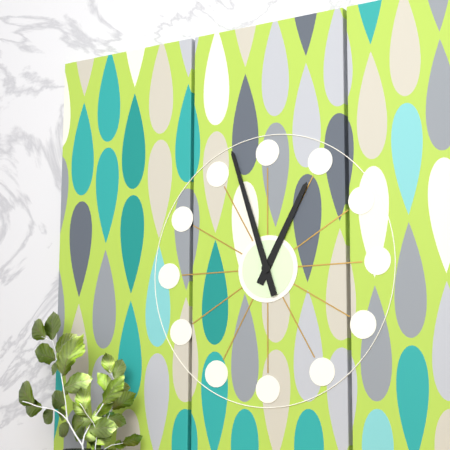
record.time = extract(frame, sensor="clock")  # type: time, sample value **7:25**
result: **12:57**
